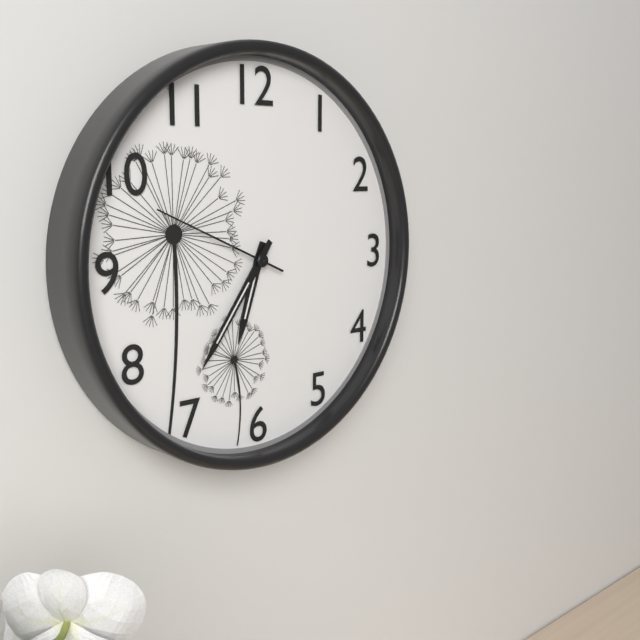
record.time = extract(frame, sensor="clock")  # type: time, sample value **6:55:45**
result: **6:36:49**
